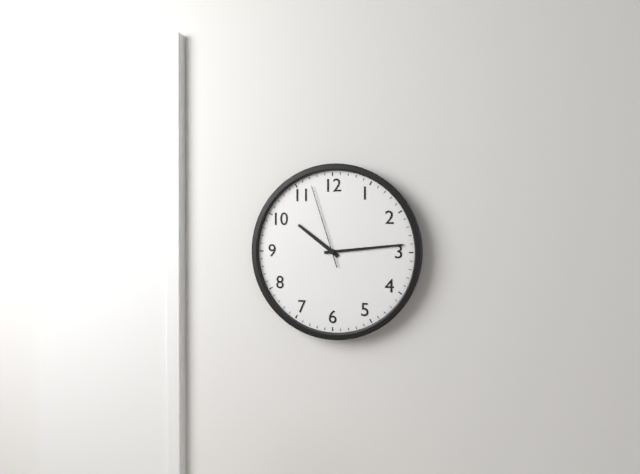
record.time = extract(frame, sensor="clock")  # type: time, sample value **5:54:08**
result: **10:14:57**
